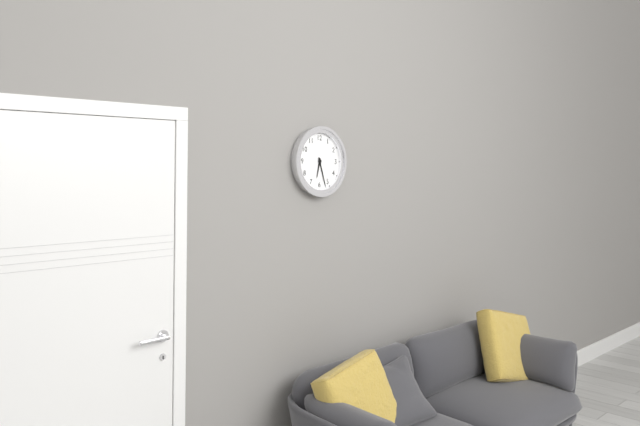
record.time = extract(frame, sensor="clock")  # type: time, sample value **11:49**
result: **6:27**
